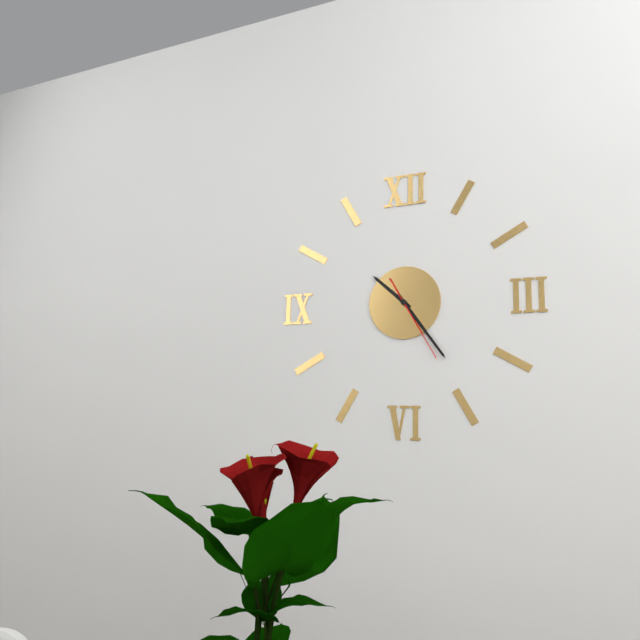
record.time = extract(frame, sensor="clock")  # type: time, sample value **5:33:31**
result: **10:24:25**
